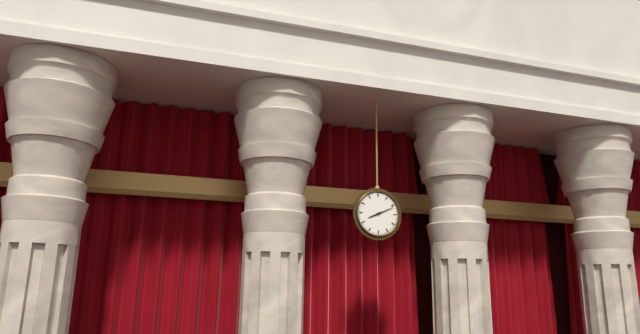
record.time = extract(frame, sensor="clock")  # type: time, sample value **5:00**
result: **8:11**
